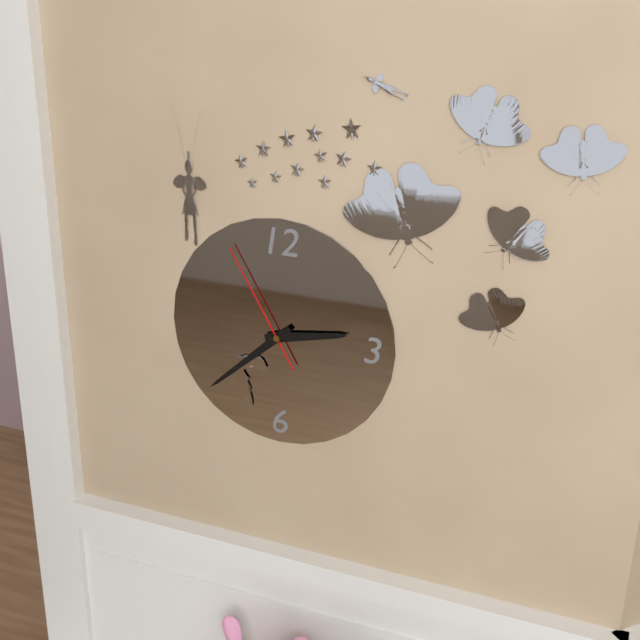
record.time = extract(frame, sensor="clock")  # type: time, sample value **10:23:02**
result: **2:38:55**
